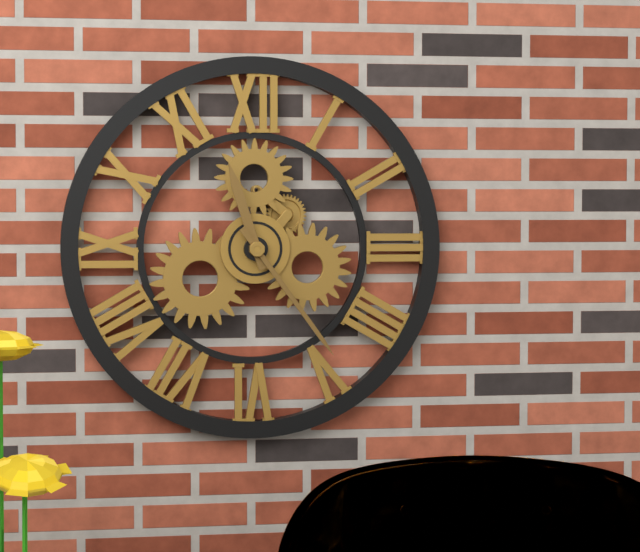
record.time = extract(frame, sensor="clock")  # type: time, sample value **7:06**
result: **11:24**
